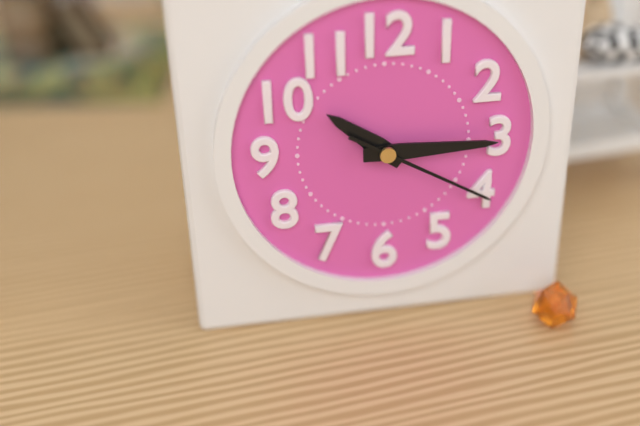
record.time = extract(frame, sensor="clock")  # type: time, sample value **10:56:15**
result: **10:15:20**
